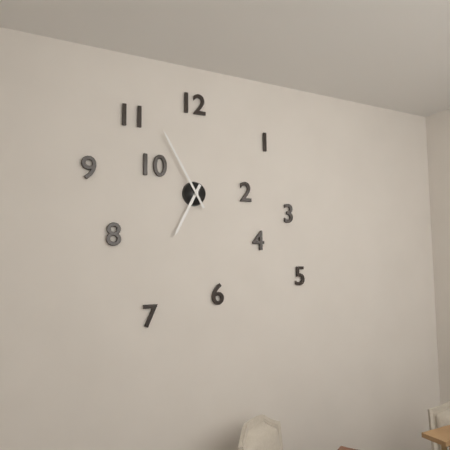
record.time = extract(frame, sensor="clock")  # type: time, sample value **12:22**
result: **6:55**
